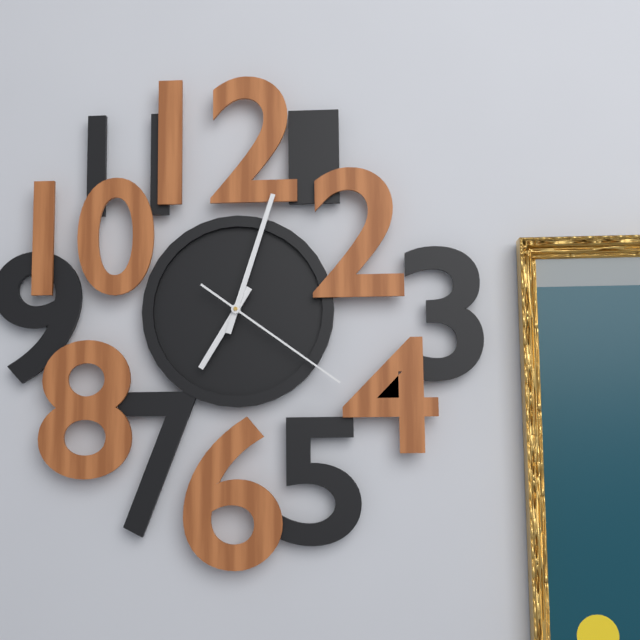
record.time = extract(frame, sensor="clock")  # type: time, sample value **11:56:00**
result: **7:03:21**
